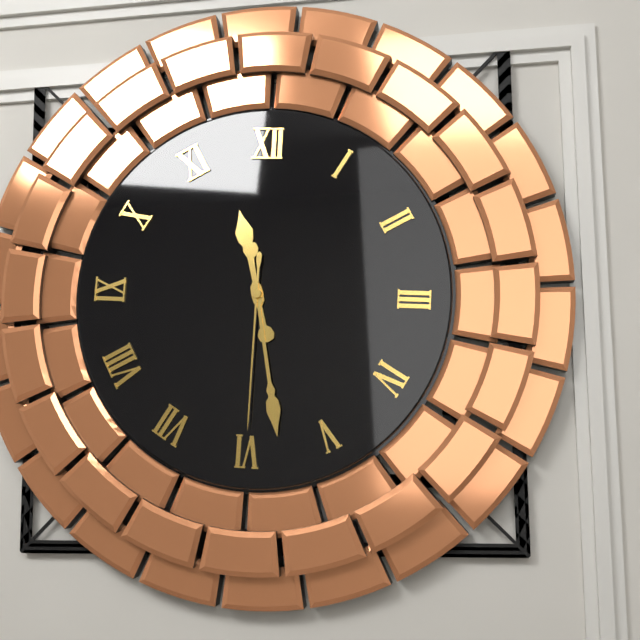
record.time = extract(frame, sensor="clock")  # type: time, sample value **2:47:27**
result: **11:28:30**
